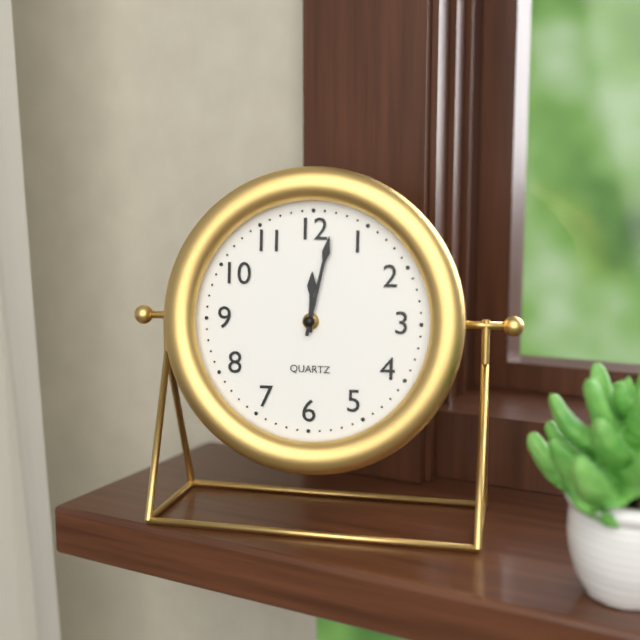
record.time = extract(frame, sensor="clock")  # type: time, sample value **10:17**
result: **12:02**
